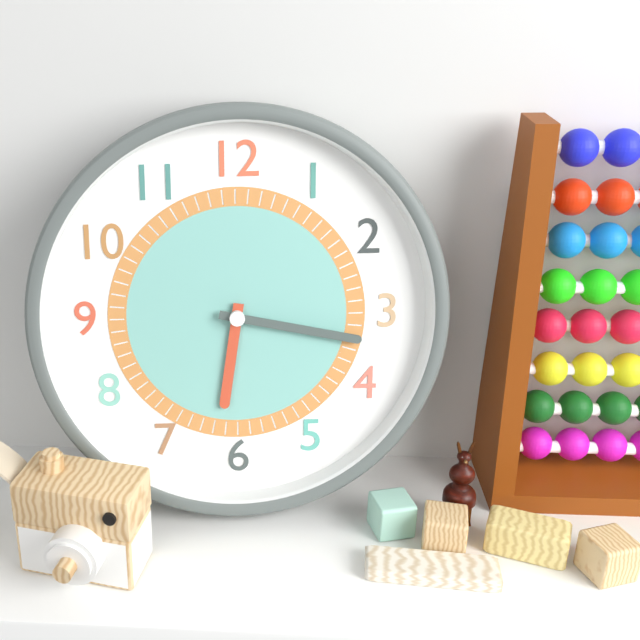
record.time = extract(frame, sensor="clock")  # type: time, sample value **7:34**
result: **6:17**
